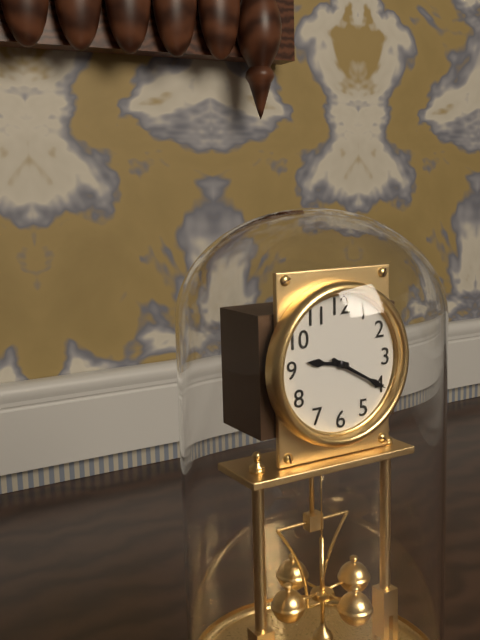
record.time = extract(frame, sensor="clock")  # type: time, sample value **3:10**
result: **9:20**
